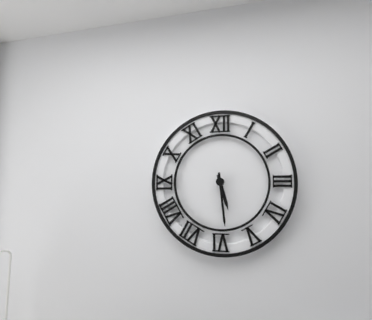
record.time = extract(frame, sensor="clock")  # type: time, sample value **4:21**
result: **5:29**
